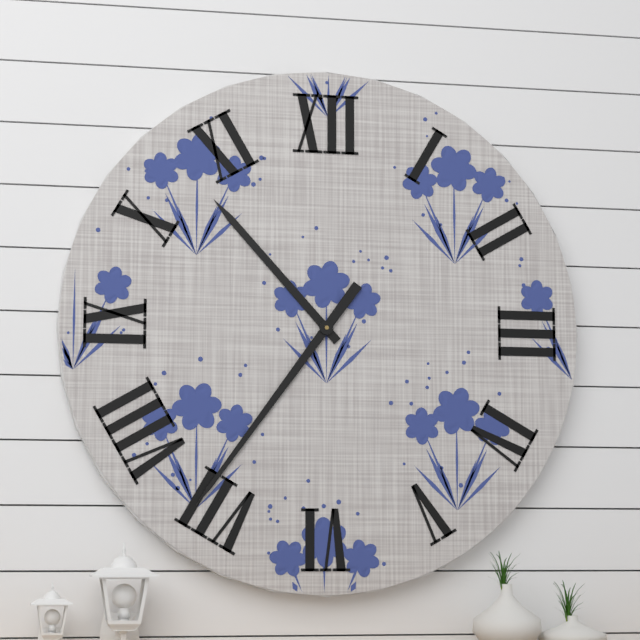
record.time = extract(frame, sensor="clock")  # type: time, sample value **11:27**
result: **10:36**
